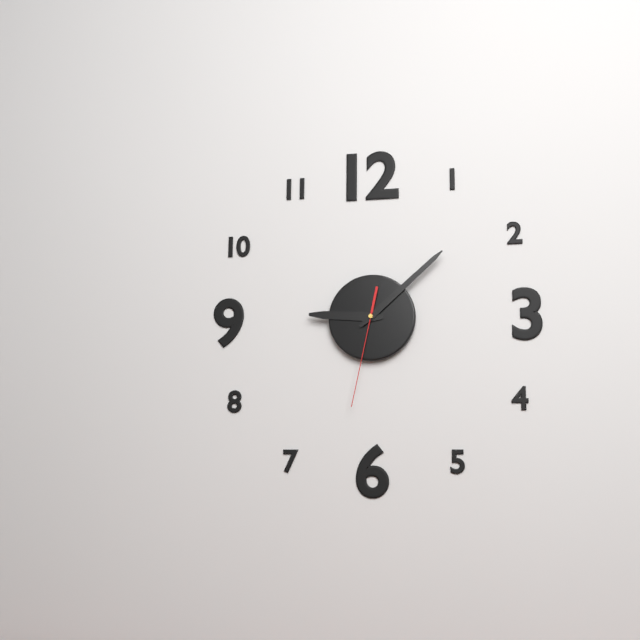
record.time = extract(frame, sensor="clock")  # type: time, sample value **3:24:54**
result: **9:08:32**
